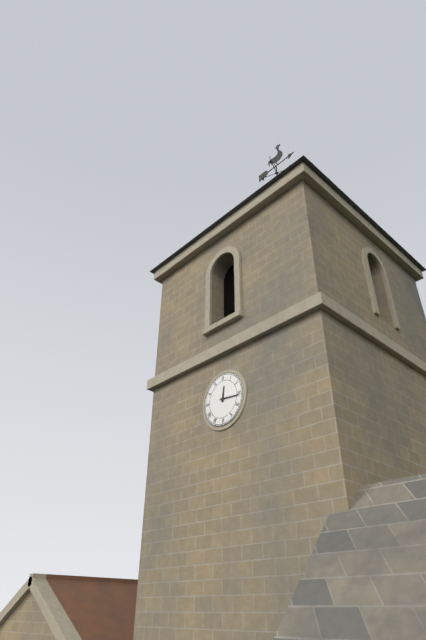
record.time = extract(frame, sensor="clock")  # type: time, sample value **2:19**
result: **12:16**
